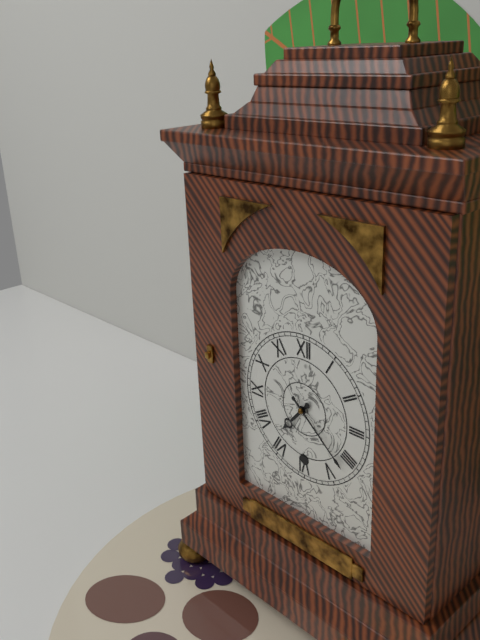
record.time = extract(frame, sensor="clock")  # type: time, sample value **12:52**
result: **7:22**
